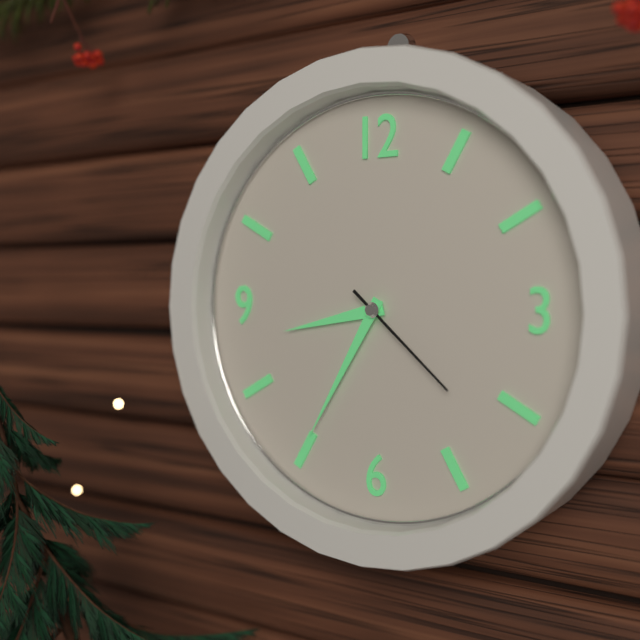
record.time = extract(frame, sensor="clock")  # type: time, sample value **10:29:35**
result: **8:35:22**
